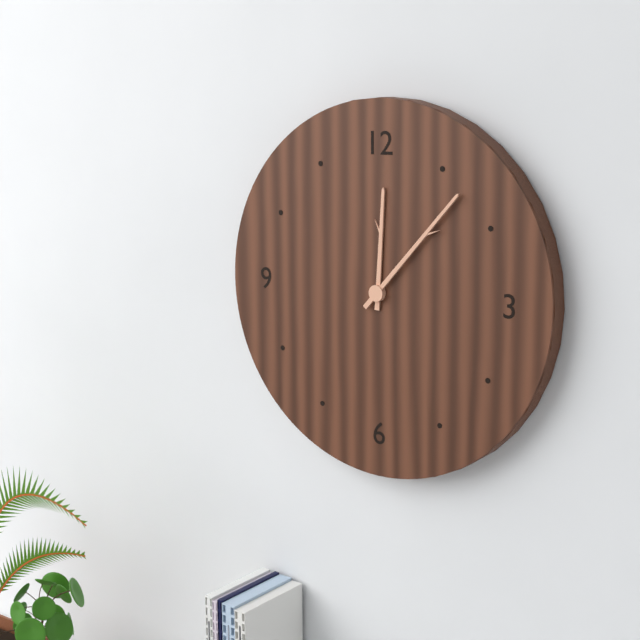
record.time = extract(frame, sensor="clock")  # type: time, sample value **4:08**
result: **12:07**
